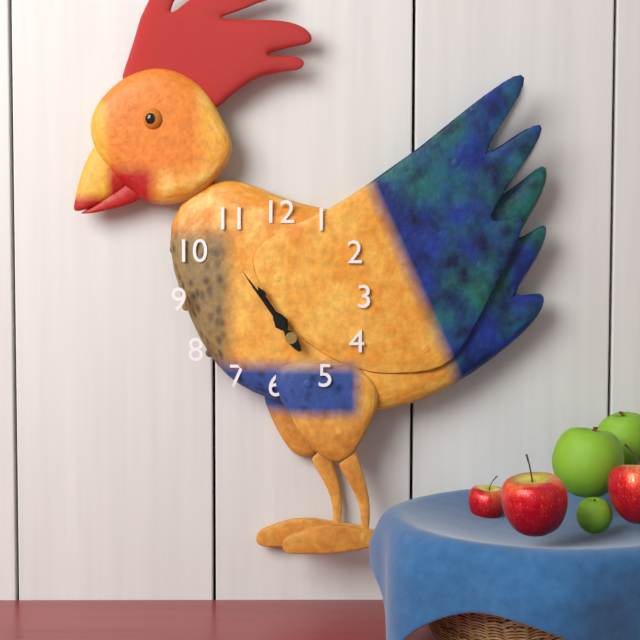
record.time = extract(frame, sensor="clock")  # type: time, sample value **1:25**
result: **10:54**
